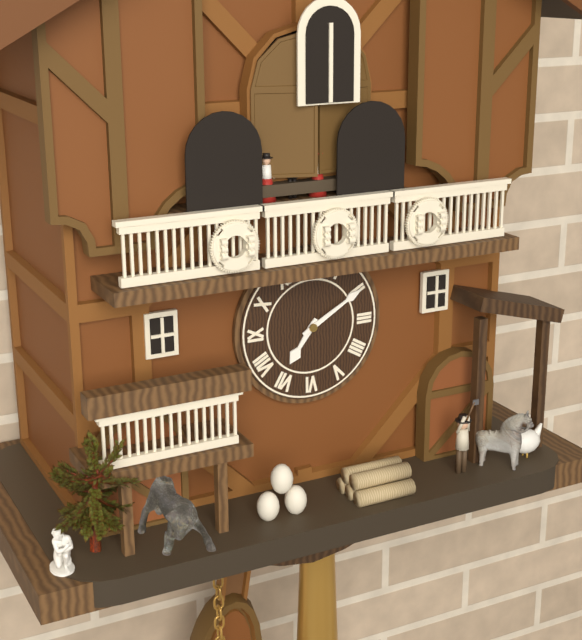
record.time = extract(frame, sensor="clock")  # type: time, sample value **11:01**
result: **7:10**
